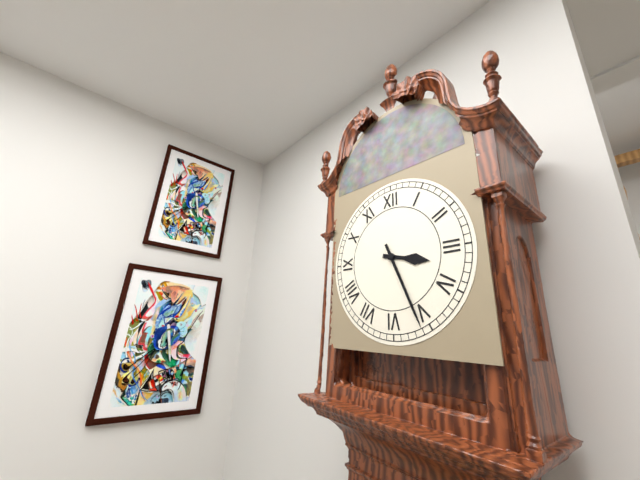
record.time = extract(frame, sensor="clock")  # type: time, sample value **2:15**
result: **3:26**
